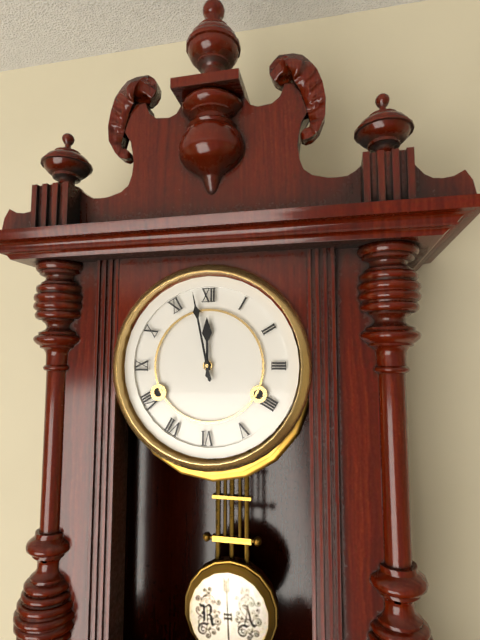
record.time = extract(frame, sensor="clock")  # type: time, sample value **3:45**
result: **11:58**
